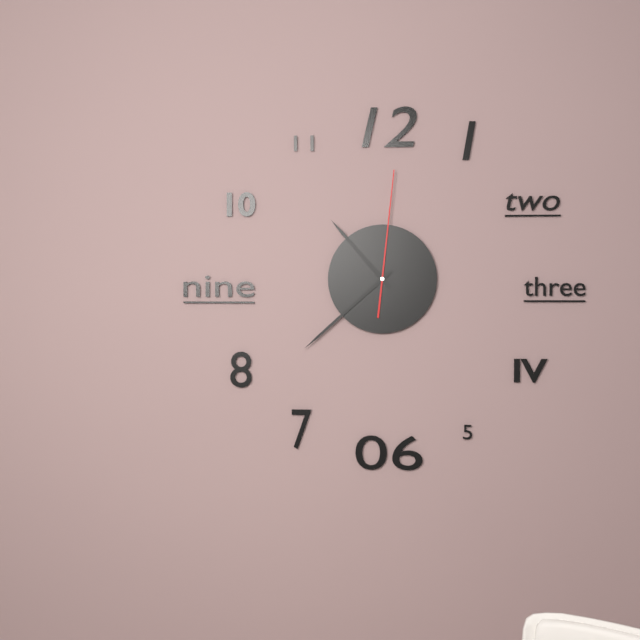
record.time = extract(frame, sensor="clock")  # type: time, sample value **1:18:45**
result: **10:38:01**
